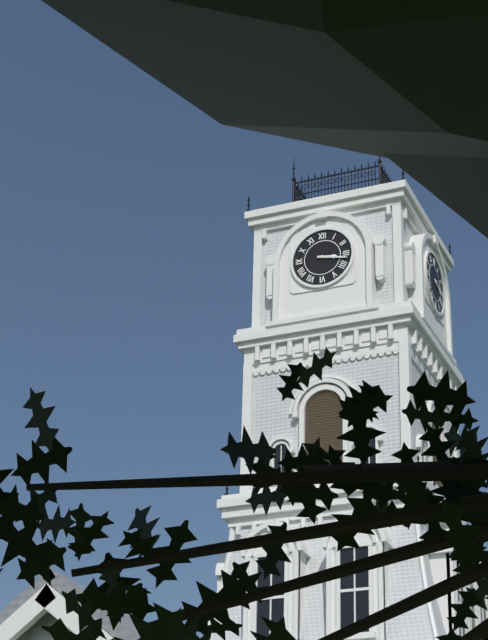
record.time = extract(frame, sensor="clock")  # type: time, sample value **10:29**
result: **3:17**
